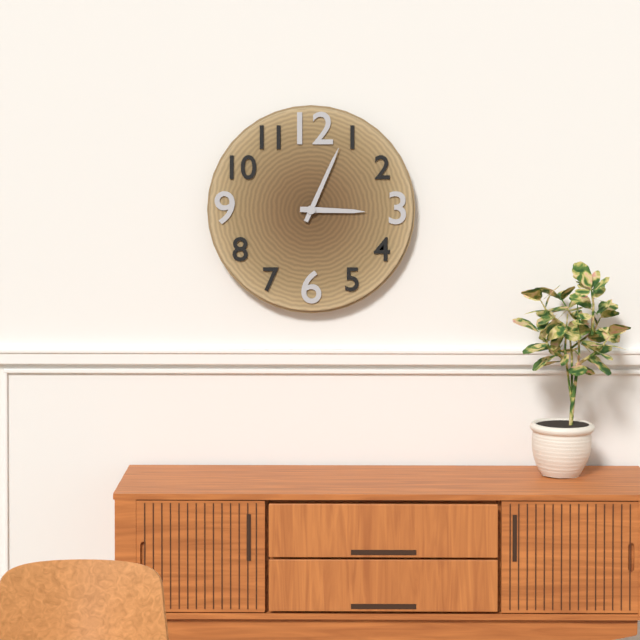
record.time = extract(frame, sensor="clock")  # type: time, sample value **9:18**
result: **3:04**
